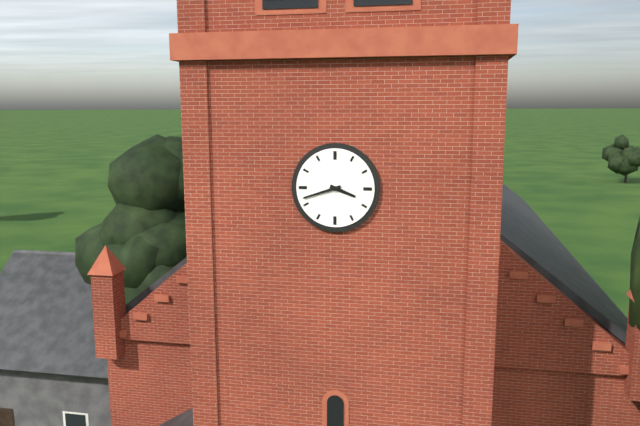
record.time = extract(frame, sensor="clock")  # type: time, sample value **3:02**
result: **3:42**
